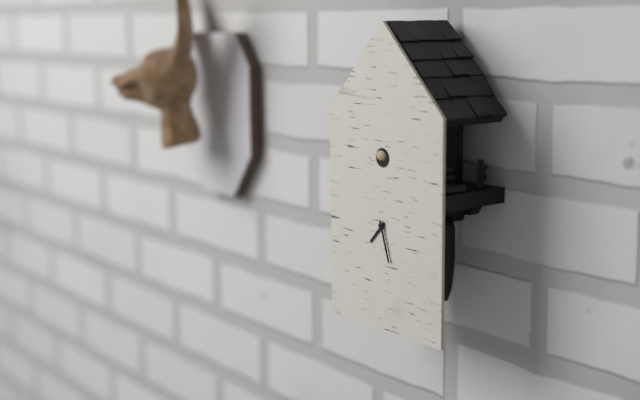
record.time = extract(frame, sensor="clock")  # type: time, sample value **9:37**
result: **7:27**
